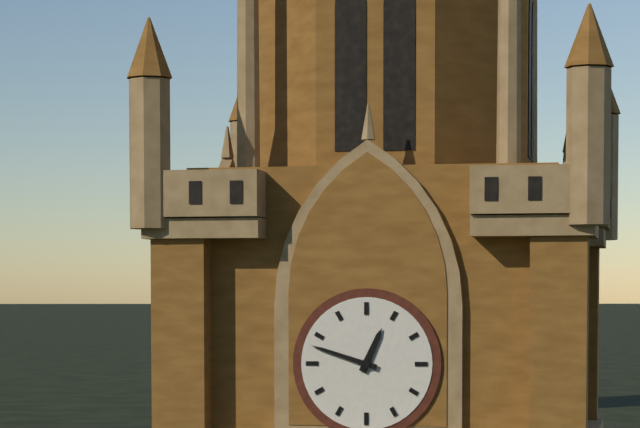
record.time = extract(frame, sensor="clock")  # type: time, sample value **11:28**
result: **12:48**
